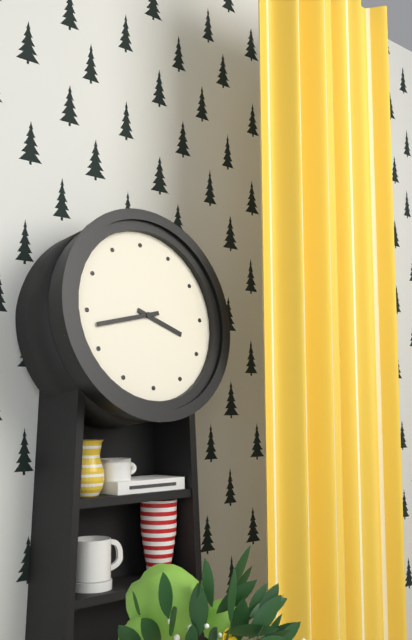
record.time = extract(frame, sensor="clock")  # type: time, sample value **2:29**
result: **3:43**
